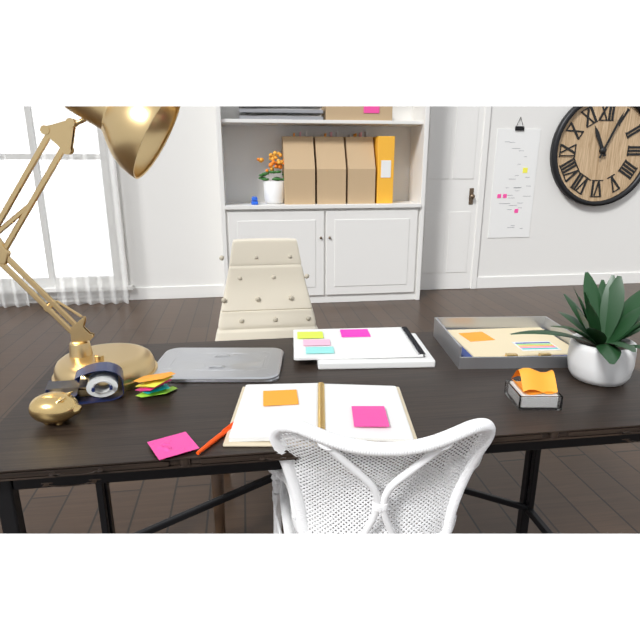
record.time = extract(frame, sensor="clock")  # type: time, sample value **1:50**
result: **11:04**
